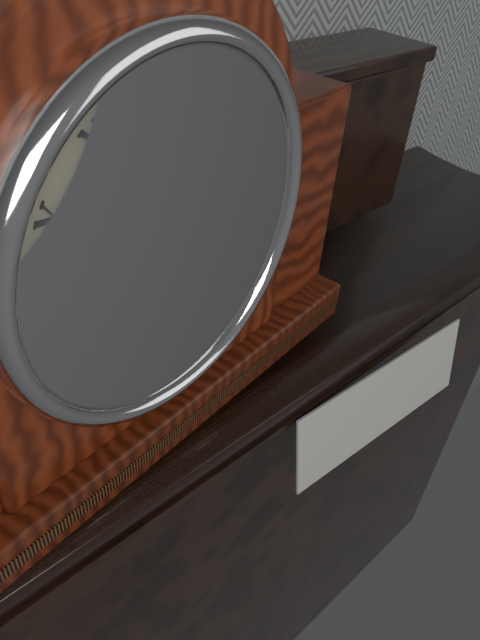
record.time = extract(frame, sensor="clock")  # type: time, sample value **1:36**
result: **11:03**
